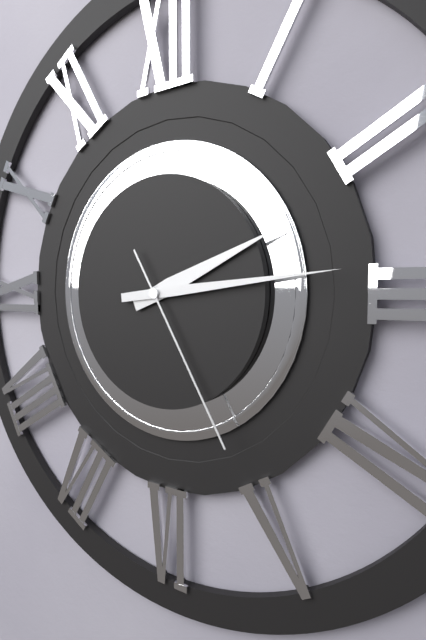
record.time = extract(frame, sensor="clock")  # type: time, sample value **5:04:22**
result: **2:14:25**
